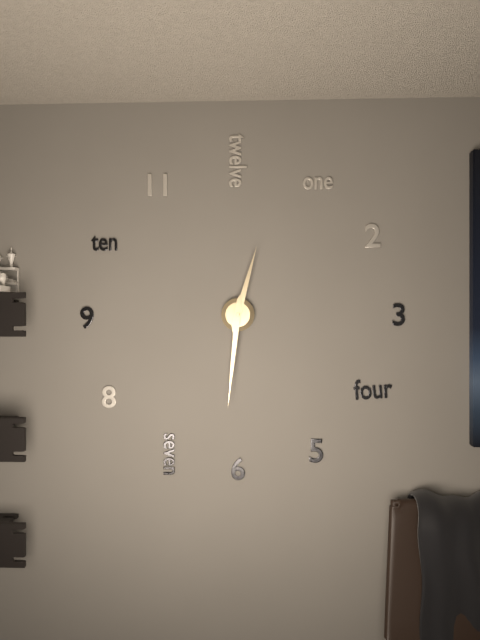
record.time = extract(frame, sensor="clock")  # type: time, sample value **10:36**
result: **12:31**
